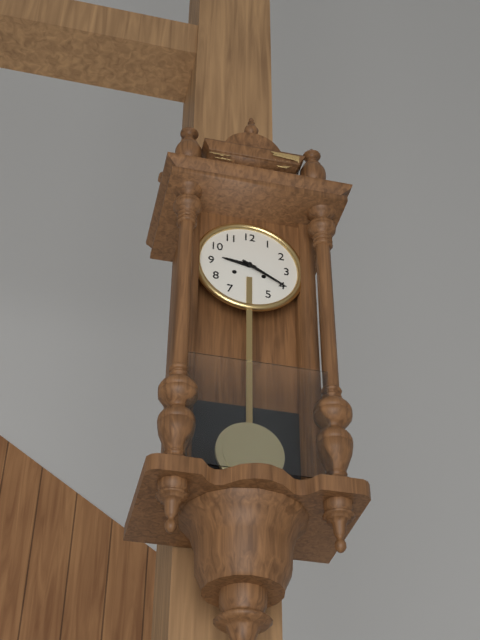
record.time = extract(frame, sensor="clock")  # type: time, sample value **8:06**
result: **9:20**
